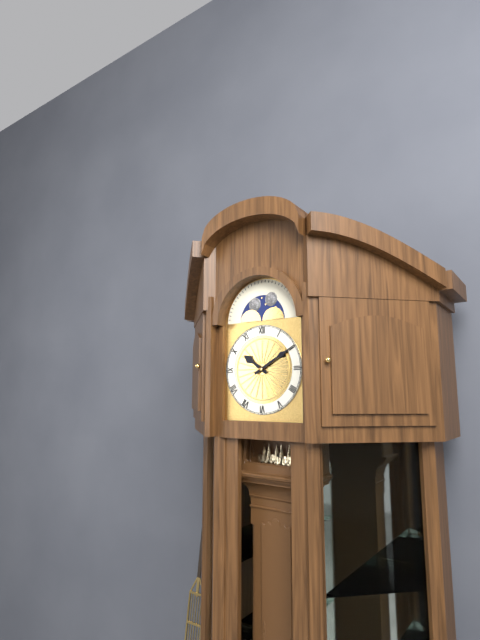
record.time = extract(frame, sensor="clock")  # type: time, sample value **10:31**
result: **10:10**
